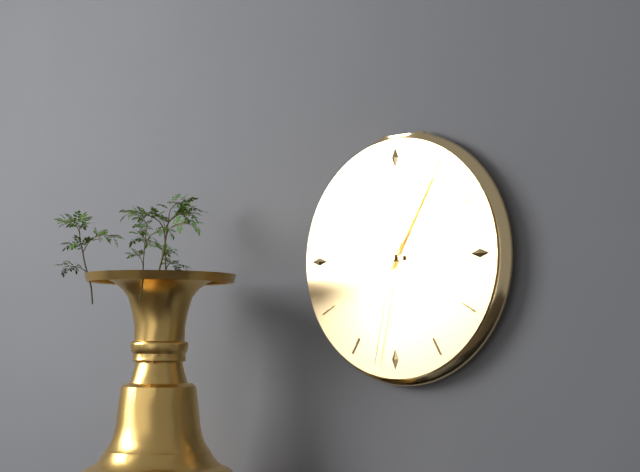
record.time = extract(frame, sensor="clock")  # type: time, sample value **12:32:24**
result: **9:05:32**
